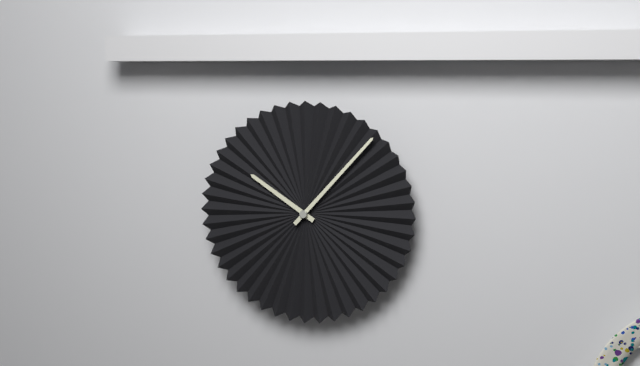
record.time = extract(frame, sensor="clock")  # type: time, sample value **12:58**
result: **10:07**
